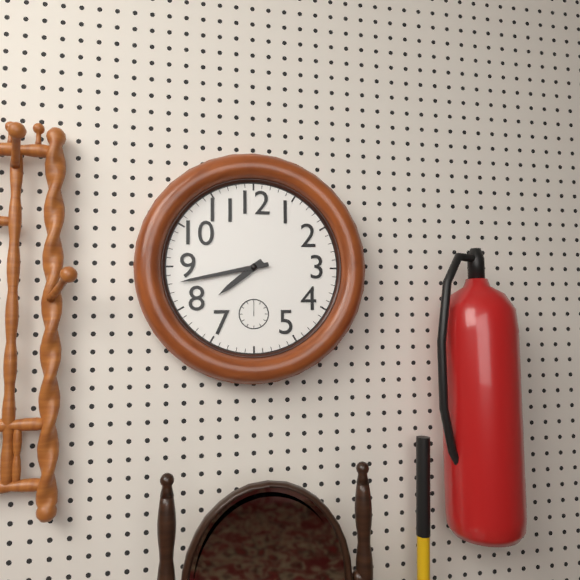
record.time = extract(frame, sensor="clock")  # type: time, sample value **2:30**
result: **7:43**
